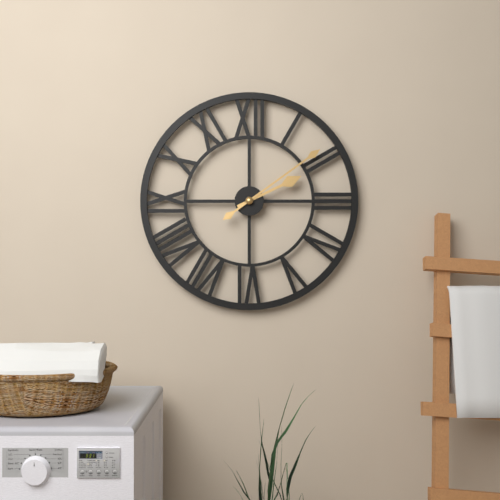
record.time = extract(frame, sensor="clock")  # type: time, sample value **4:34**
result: **2:09**
